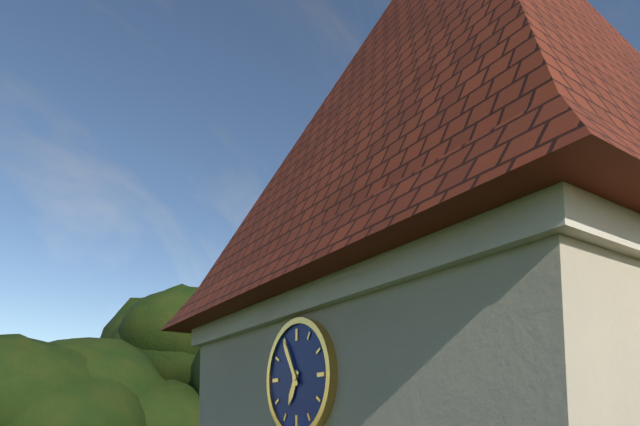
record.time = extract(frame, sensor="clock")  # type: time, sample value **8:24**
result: **6:55**
